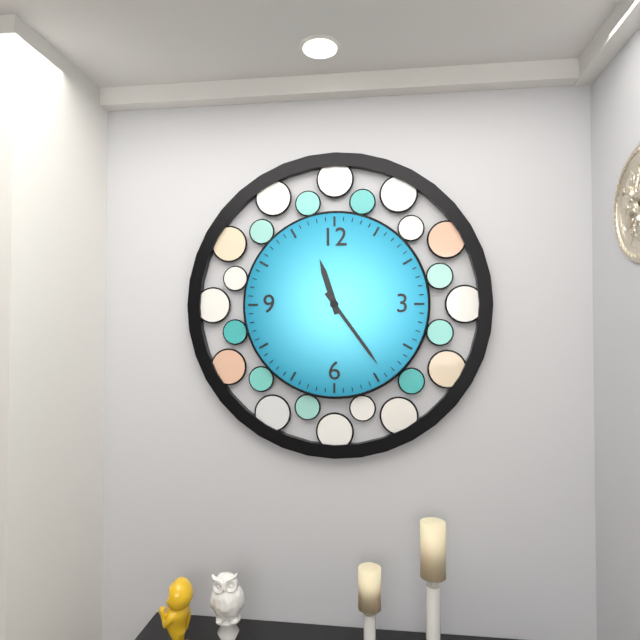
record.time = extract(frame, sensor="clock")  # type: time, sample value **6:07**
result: **11:24**
